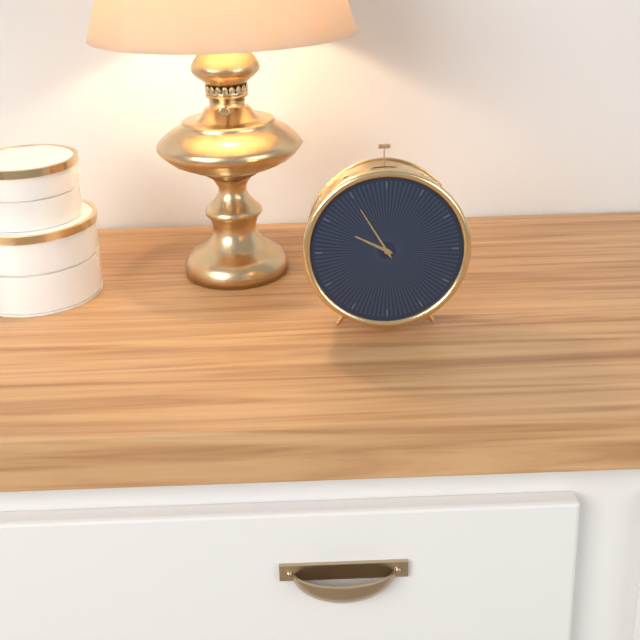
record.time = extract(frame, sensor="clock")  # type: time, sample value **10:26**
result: **9:55**
